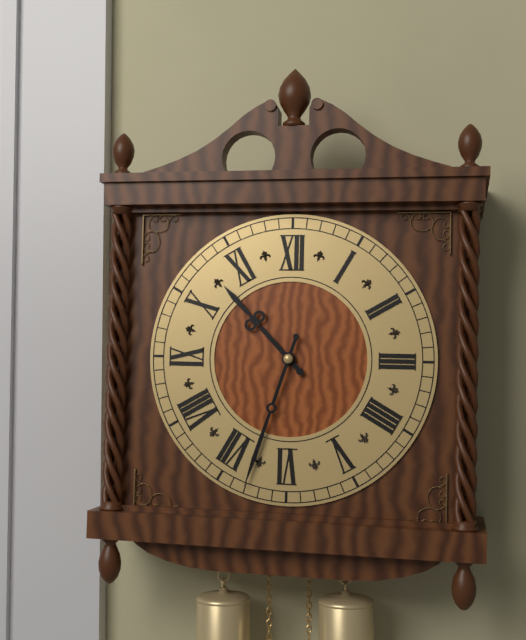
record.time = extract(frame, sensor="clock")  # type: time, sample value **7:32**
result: **10:33**
